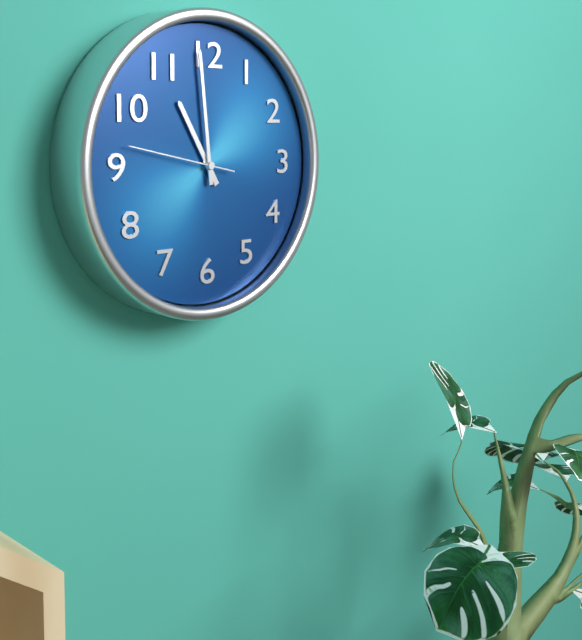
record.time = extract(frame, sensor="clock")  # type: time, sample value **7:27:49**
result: **10:59:47**
